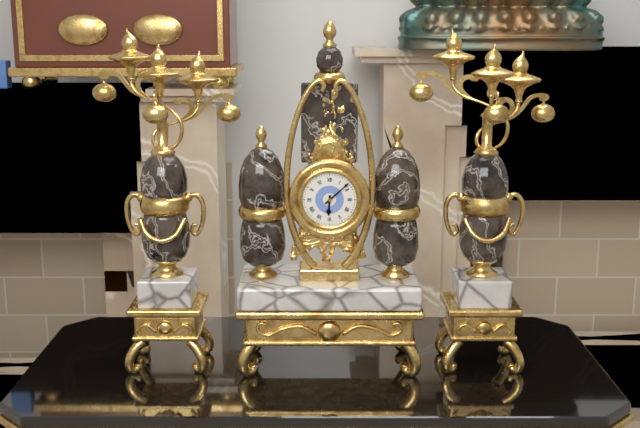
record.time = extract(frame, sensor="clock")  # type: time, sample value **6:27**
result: **6:08**
